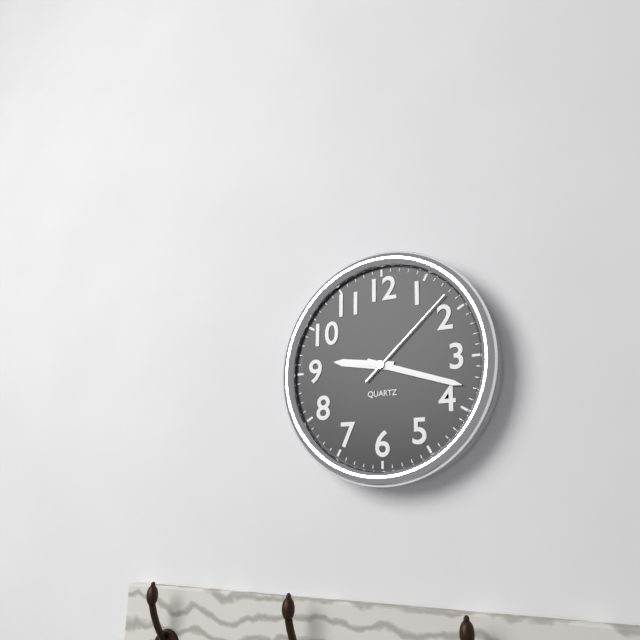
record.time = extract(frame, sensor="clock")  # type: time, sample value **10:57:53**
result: **9:18:08**
